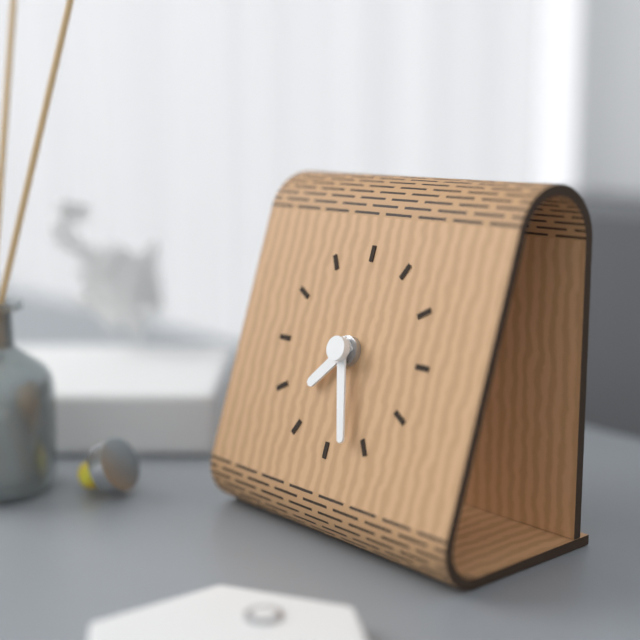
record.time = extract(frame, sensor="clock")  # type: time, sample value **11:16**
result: **7:27**
